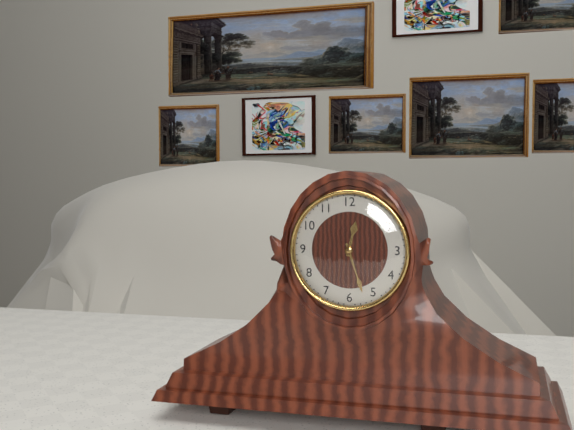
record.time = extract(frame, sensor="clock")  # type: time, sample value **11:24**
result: **12:27**
